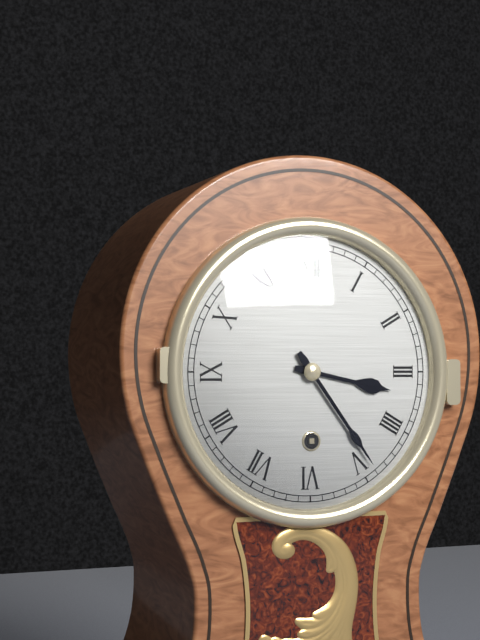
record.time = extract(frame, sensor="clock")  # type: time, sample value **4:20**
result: **3:24**
